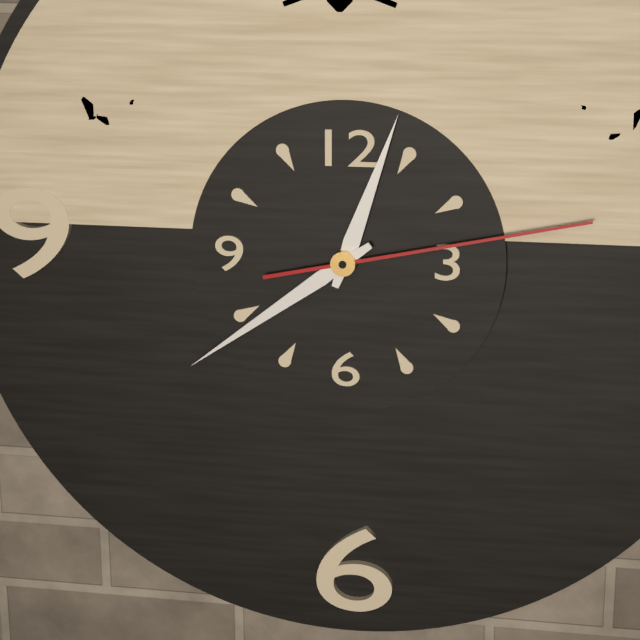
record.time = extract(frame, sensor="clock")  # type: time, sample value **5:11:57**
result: **12:39:13**
